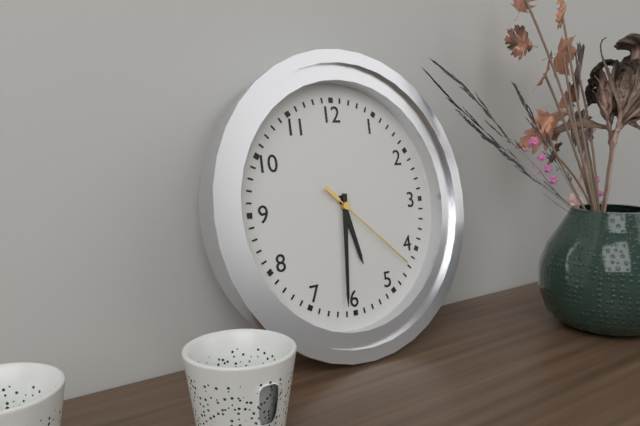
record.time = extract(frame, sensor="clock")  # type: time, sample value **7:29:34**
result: **5:31:22**
